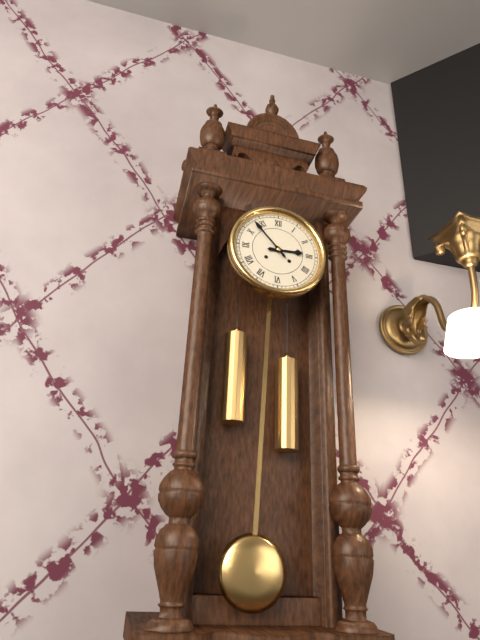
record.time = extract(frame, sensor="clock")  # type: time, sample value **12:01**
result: **2:53**
